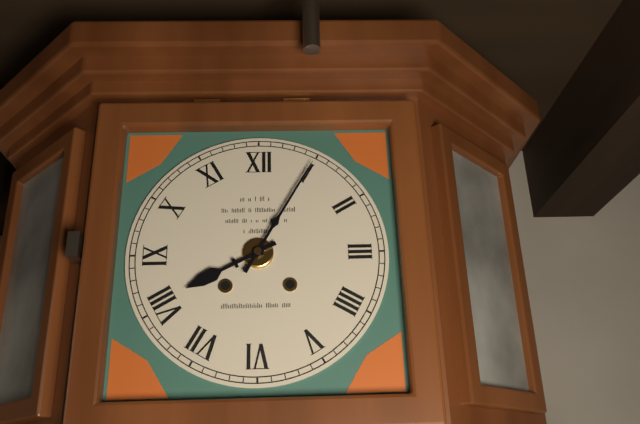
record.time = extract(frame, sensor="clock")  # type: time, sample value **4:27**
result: **8:05**
